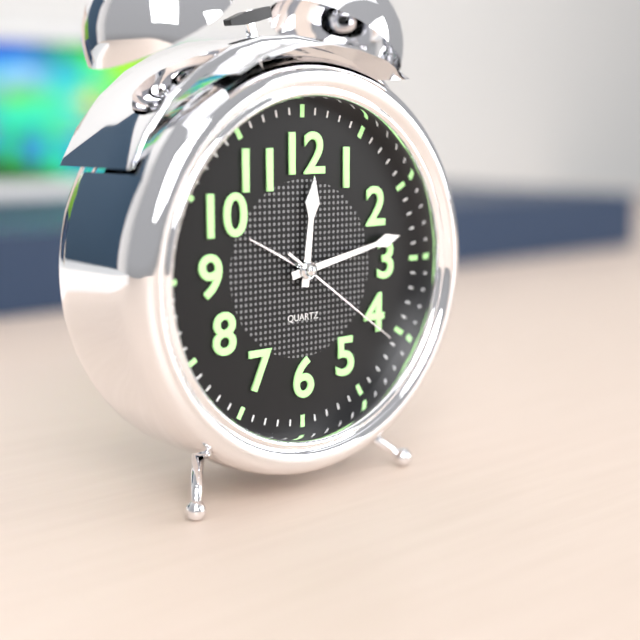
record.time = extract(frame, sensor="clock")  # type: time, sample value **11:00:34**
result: **12:13:21**
